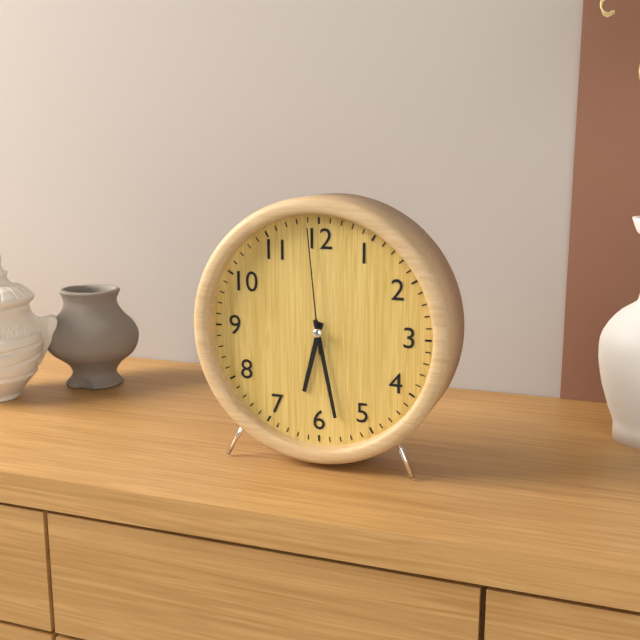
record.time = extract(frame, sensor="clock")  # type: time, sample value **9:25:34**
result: **6:28:59**
